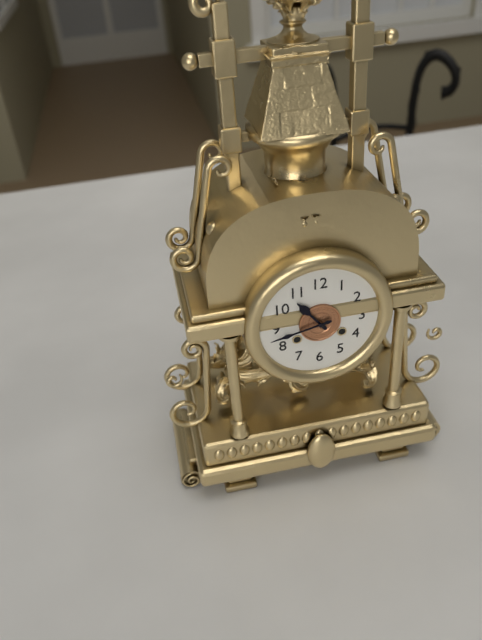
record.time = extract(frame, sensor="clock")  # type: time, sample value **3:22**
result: **10:43**
